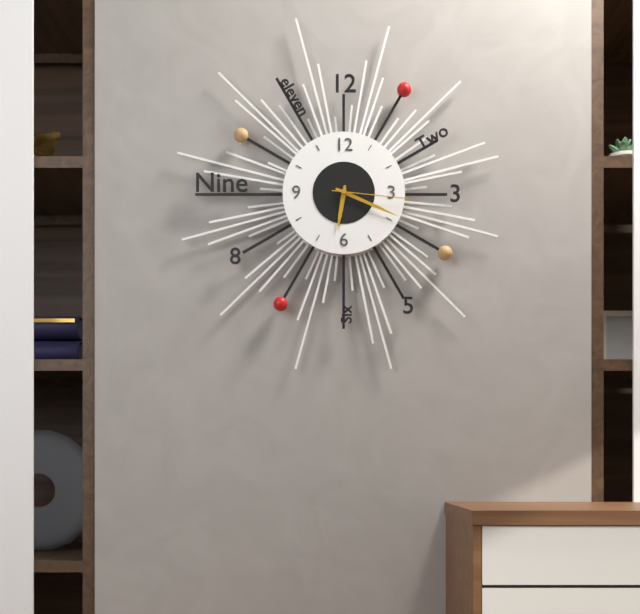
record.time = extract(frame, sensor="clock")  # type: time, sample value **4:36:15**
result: **6:19:16**
